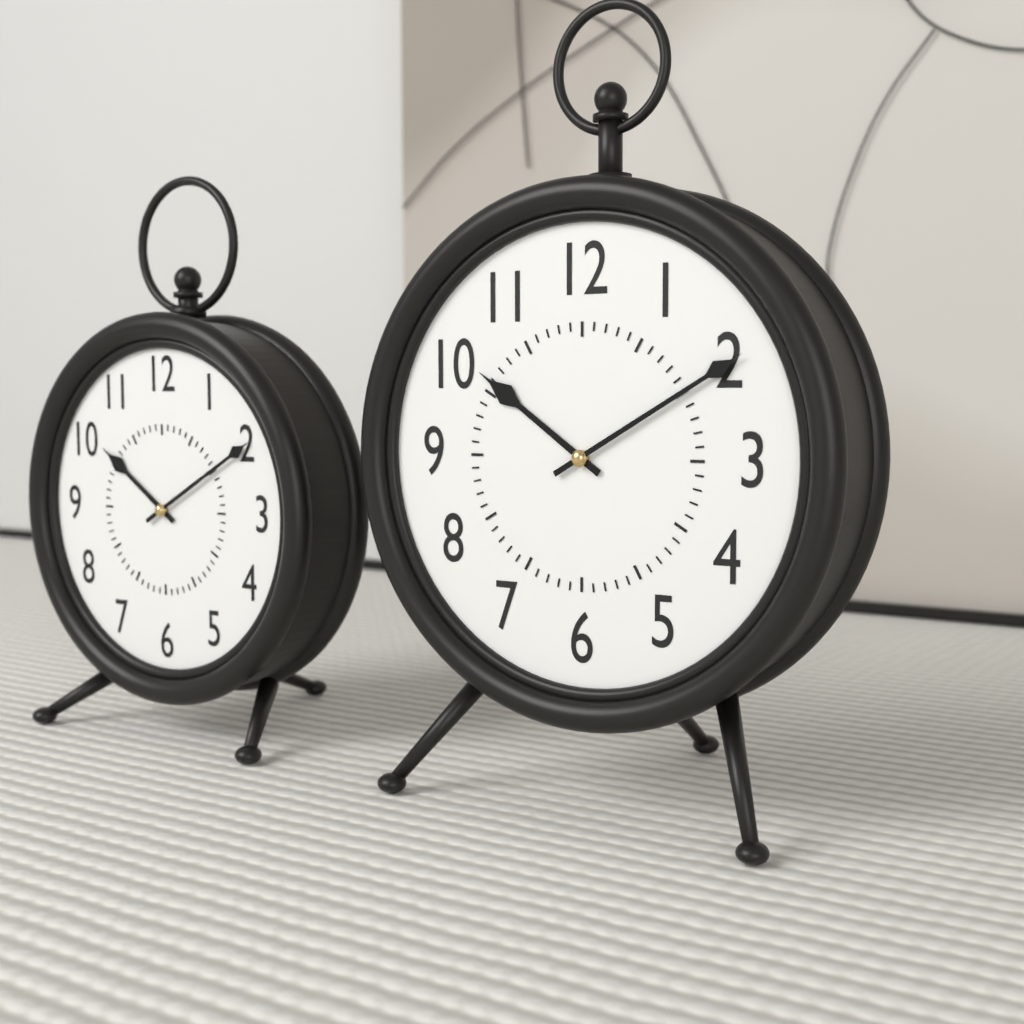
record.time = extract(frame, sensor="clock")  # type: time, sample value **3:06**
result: **10:10**
